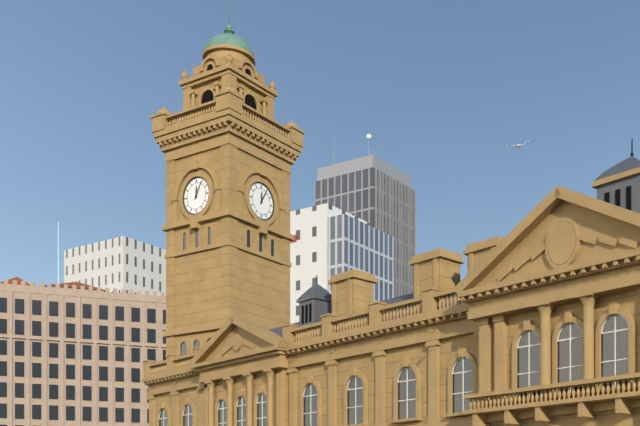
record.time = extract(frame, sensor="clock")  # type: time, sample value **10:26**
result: **12:05**
